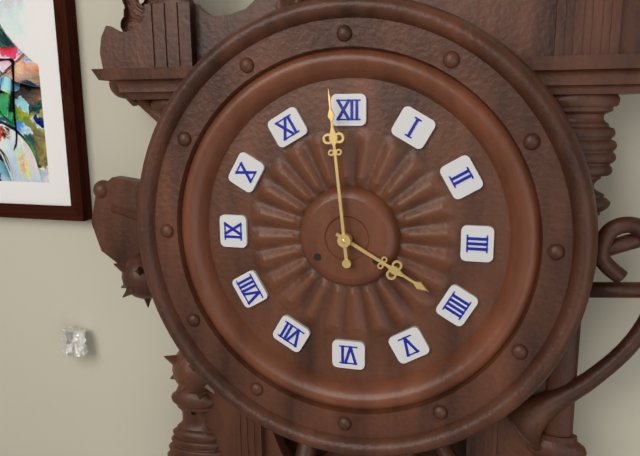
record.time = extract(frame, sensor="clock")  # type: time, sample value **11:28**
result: **3:59**
